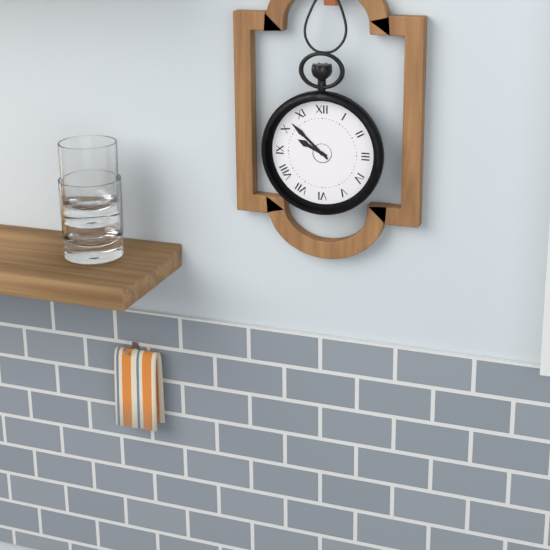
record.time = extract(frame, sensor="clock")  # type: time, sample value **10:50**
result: **9:52**
